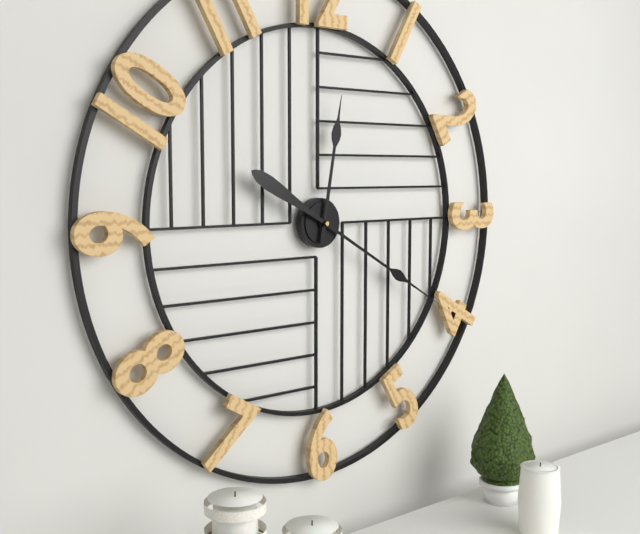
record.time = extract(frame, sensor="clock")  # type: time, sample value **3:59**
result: **12:20**
